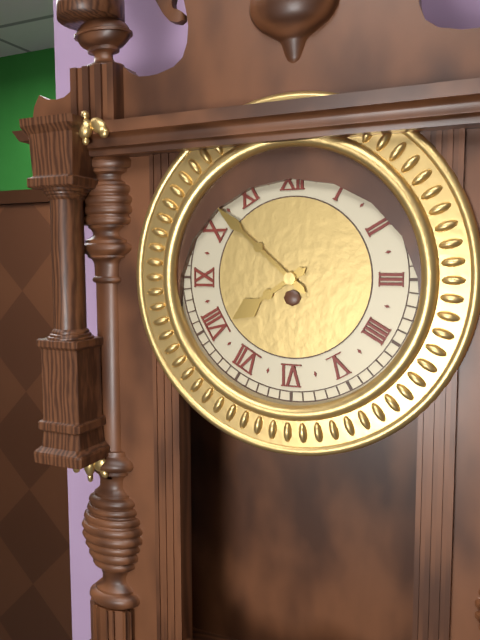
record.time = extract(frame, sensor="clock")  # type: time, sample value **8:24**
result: **7:52**
